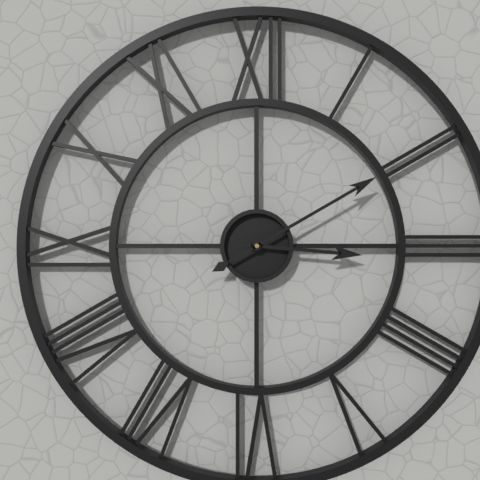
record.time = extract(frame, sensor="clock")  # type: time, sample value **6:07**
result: **3:10**
